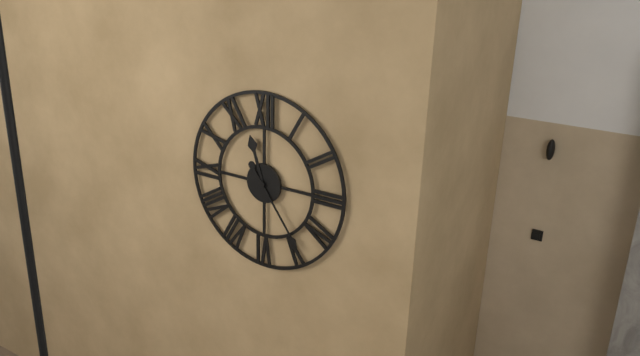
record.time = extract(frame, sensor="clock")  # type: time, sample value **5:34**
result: **11:24**
